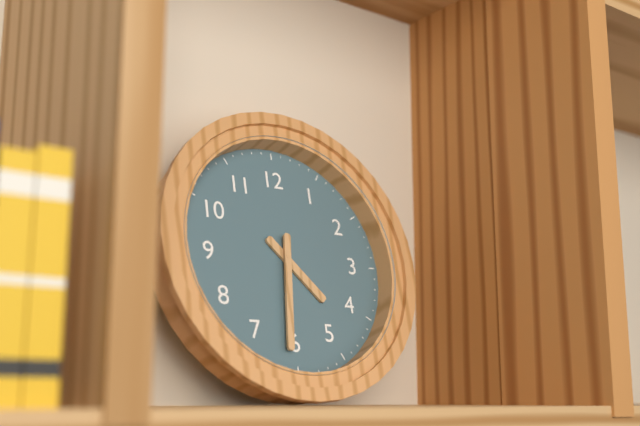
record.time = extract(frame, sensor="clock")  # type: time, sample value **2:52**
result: **4:31**
